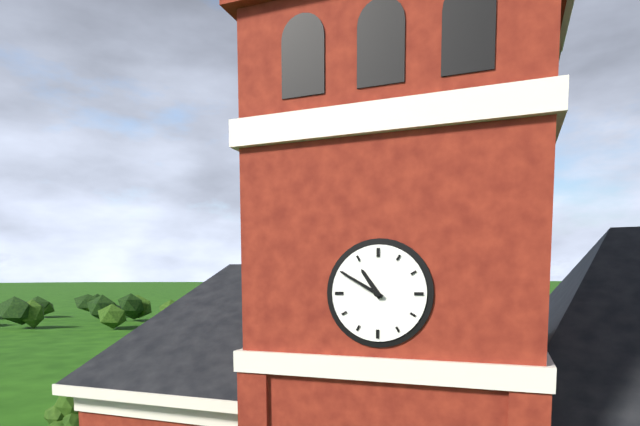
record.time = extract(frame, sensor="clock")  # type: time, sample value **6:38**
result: **10:50**
